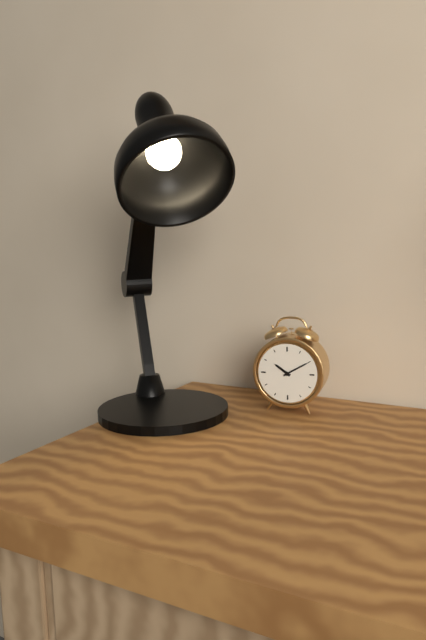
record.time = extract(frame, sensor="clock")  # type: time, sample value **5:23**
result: **10:10**
